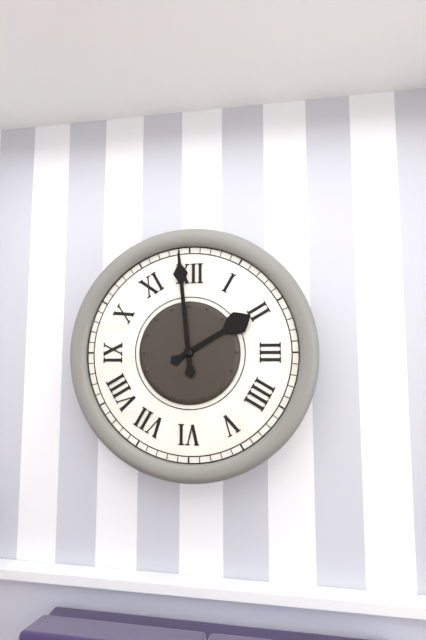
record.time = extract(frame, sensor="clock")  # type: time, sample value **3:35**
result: **1:59**
